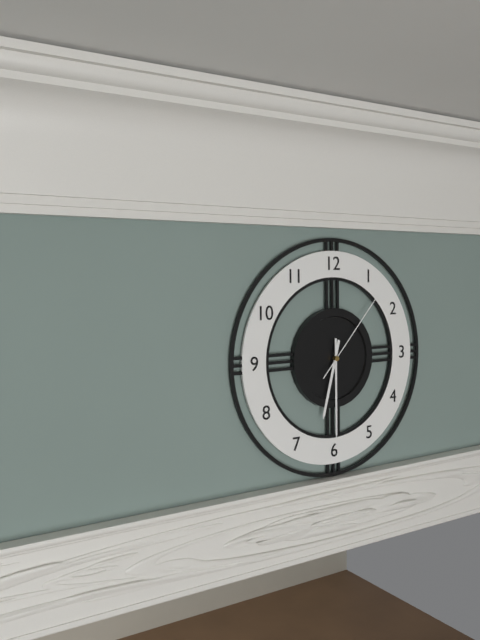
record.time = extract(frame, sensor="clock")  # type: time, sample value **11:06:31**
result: **6:30:07**
